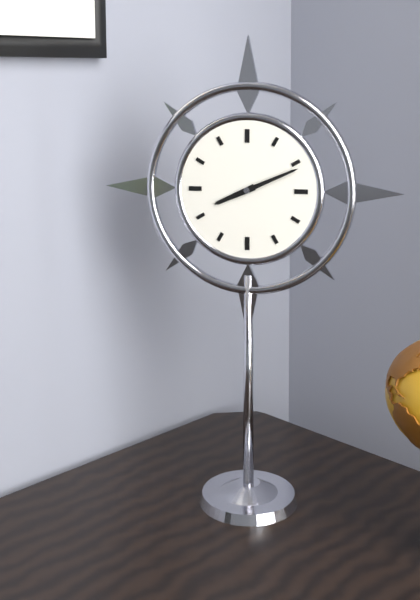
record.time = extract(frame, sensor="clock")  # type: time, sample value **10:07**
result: **8:11**
